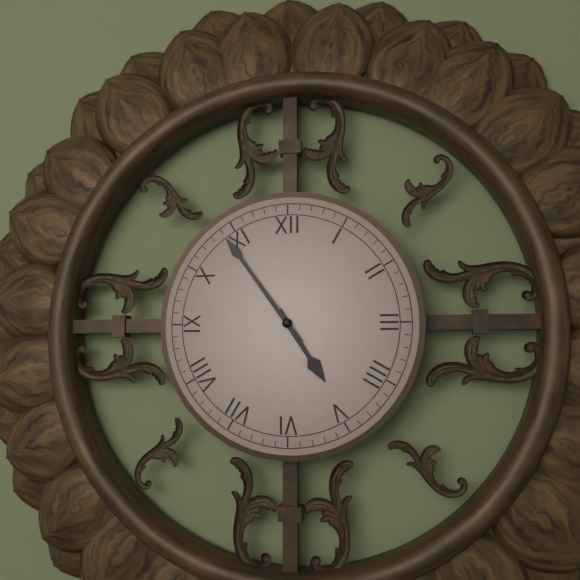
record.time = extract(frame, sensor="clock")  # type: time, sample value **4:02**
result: **4:54**
